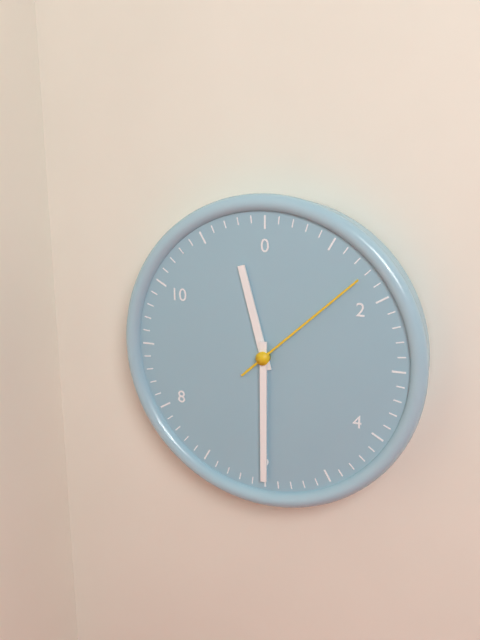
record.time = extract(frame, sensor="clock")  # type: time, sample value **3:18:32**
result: **11:30:08**
